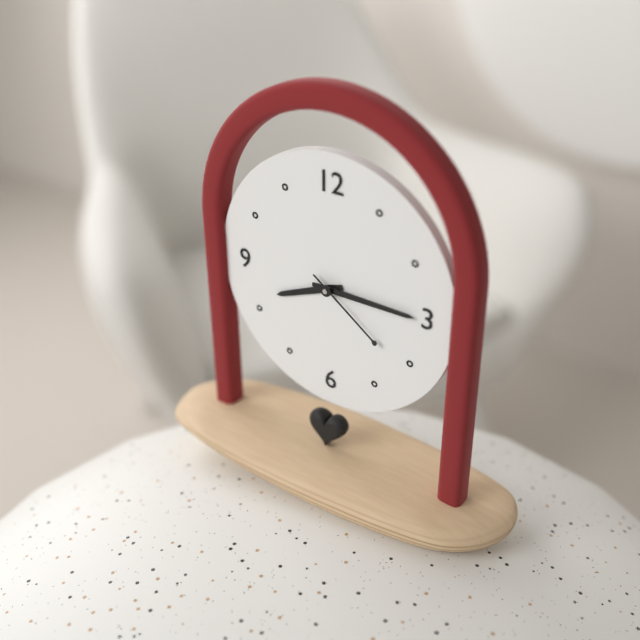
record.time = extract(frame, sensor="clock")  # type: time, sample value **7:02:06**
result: **8:15:21**
